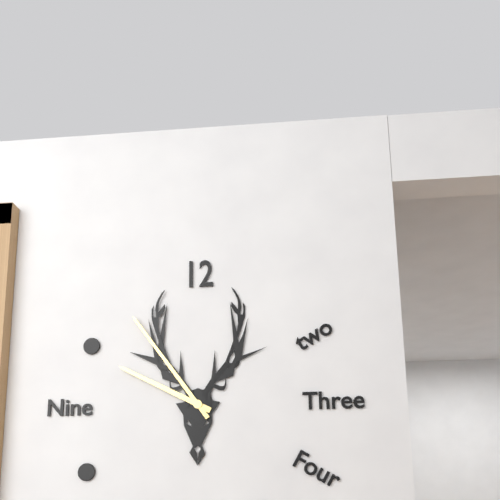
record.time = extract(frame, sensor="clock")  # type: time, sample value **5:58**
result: **9:54**
